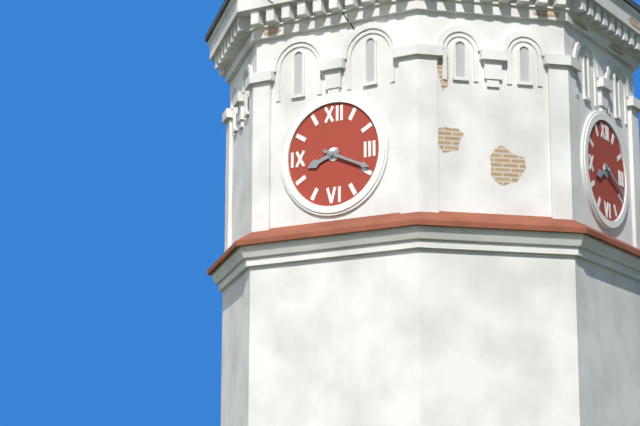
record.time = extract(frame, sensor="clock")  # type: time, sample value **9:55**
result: **8:19**
